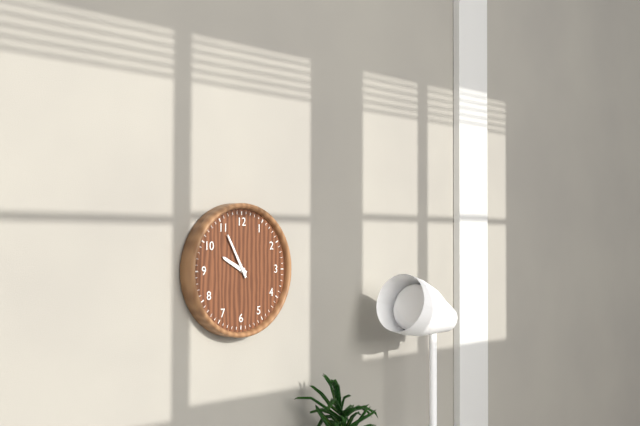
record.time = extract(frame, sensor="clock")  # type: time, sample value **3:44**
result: **9:55**
